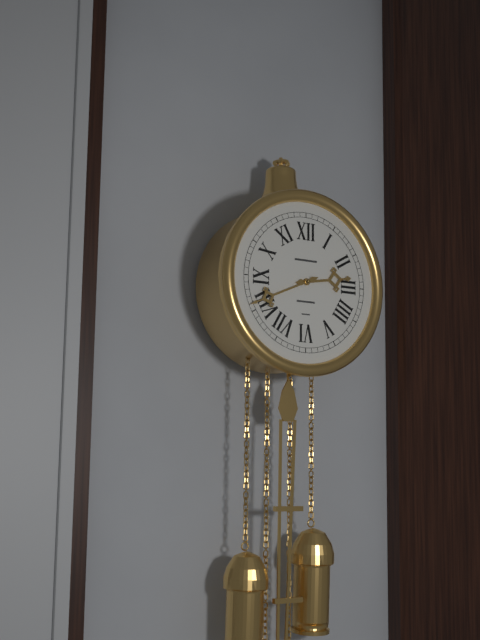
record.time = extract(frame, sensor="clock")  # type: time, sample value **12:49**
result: **2:41**
